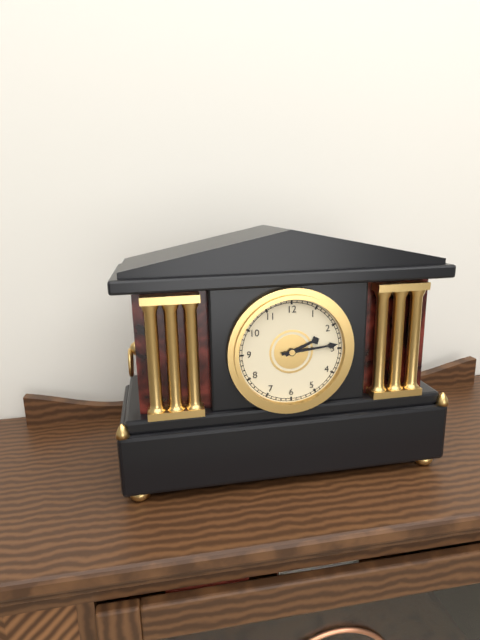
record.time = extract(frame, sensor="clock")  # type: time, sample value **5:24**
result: **2:14**
